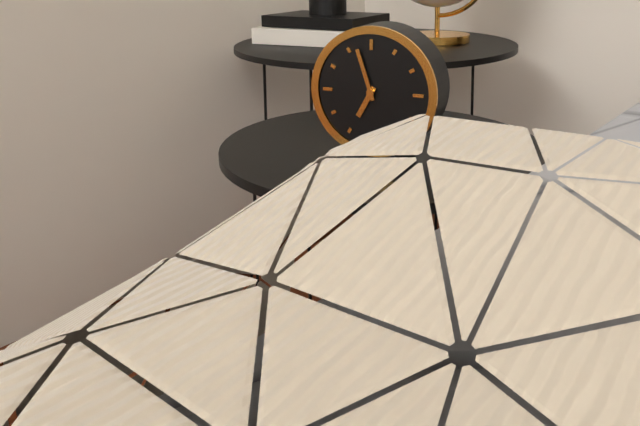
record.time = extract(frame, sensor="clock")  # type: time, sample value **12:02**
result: **6:57**
